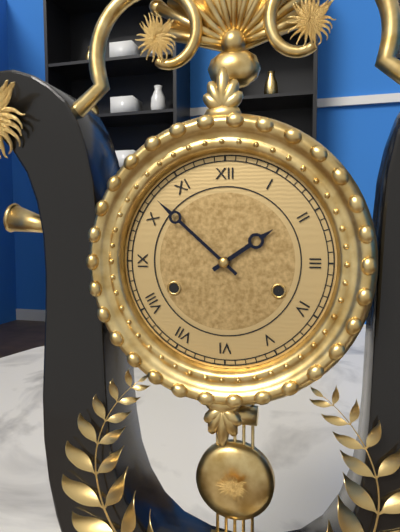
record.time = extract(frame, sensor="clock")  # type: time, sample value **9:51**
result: **1:52**
